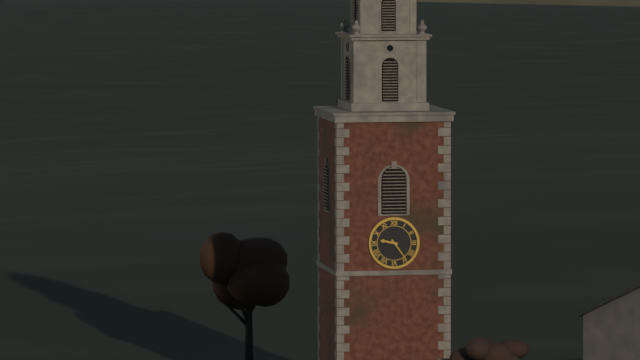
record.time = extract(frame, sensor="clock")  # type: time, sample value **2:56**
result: **9:24**
